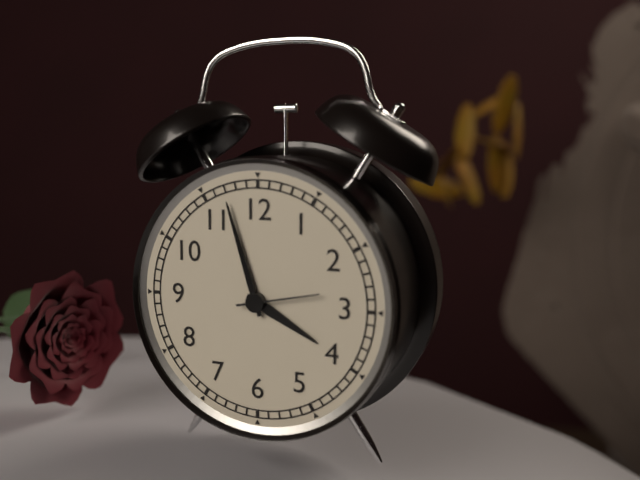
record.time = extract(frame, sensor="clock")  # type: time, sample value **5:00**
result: **3:57**
